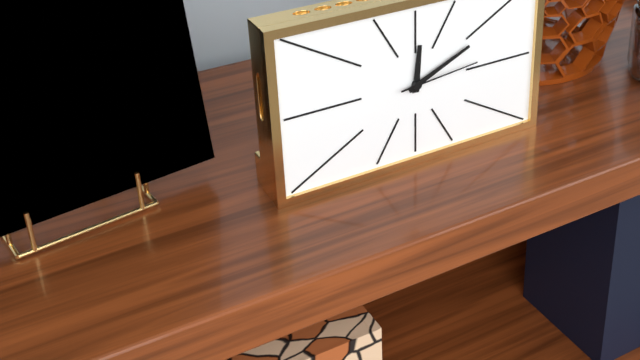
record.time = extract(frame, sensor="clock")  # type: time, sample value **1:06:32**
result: **12:11:14**
